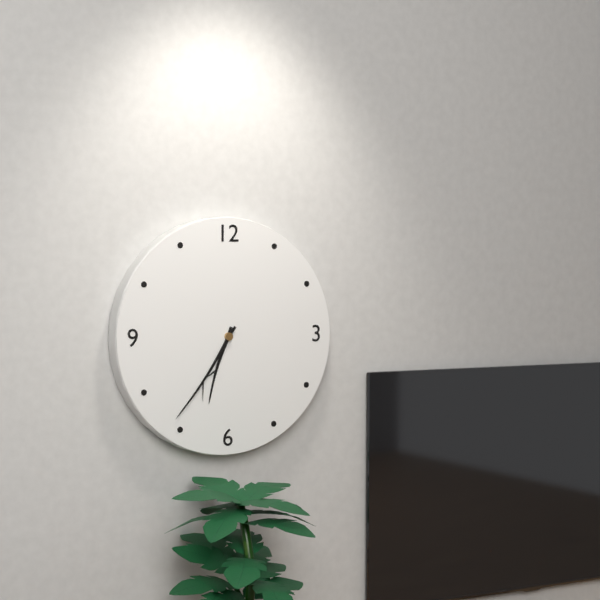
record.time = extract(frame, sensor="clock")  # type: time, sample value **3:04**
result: **6:36**
